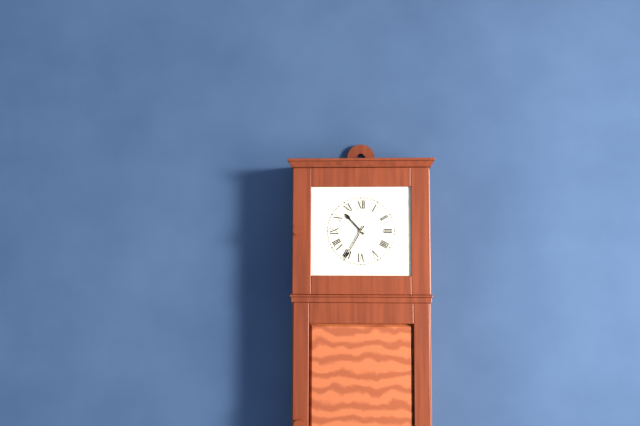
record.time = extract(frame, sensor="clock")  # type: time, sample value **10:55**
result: **10:35**
